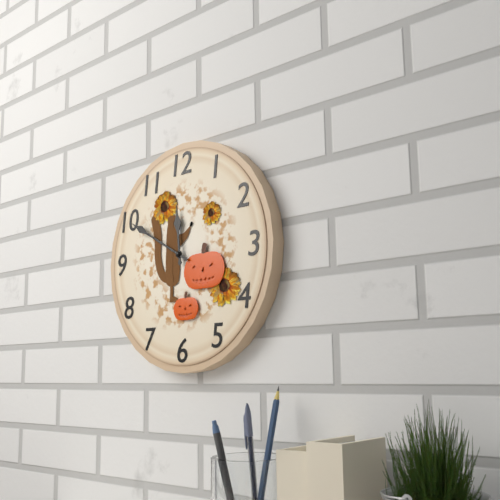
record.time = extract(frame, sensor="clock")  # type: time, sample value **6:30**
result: **11:50**
